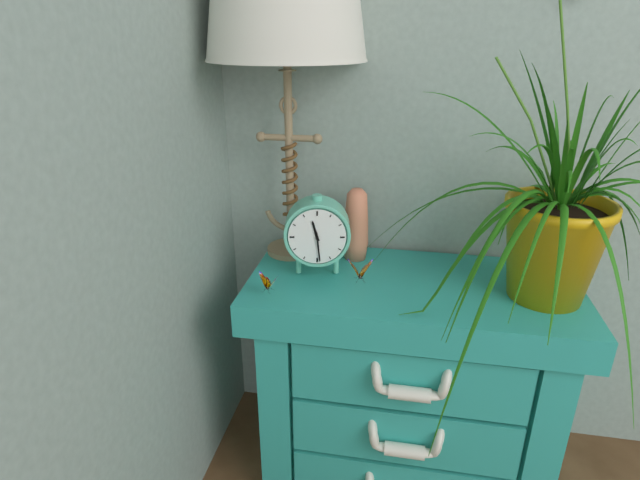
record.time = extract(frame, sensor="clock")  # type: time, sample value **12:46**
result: **11:29**
